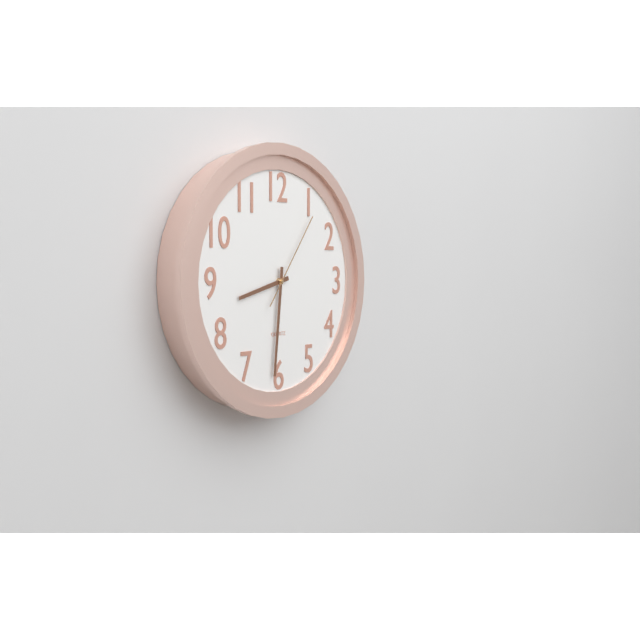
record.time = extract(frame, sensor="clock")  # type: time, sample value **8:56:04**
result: **8:31:06**
